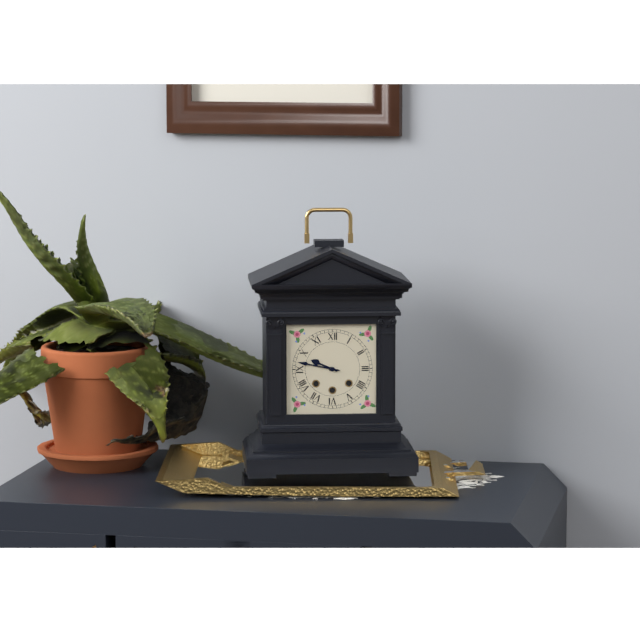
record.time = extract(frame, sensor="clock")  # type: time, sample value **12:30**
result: **9:47**
